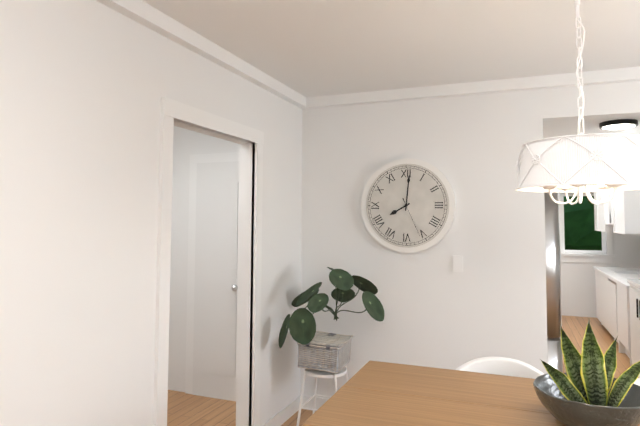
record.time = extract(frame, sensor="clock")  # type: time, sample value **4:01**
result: **8:01**
